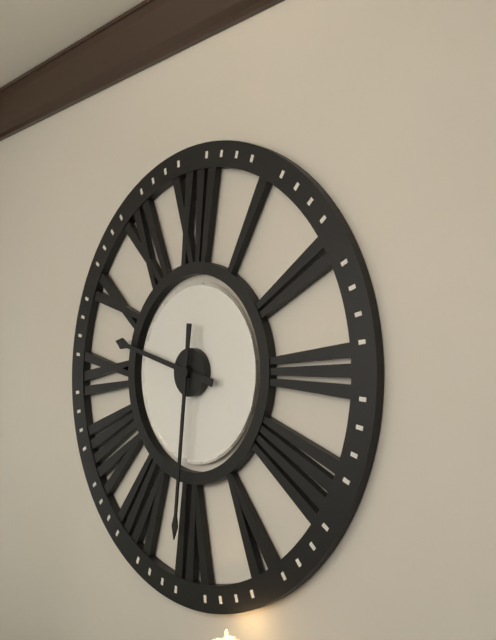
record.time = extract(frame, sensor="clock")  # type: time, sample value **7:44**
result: **9:31**
